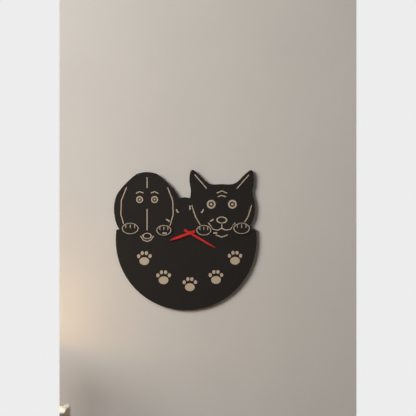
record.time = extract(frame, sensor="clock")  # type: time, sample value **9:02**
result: **8:20**
